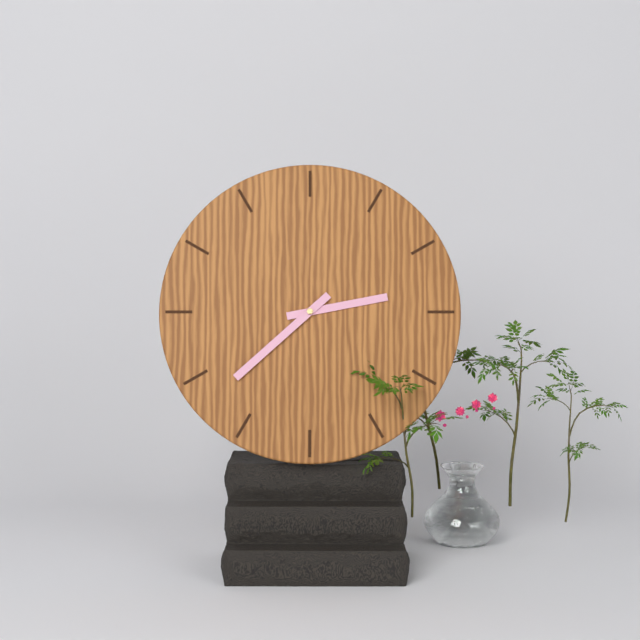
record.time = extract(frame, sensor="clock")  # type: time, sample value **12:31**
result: **2:38**
